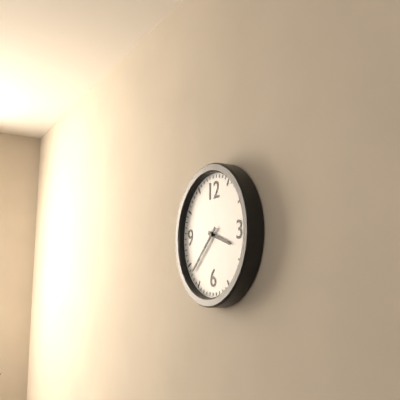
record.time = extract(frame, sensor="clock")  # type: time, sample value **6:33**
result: **3:38**
